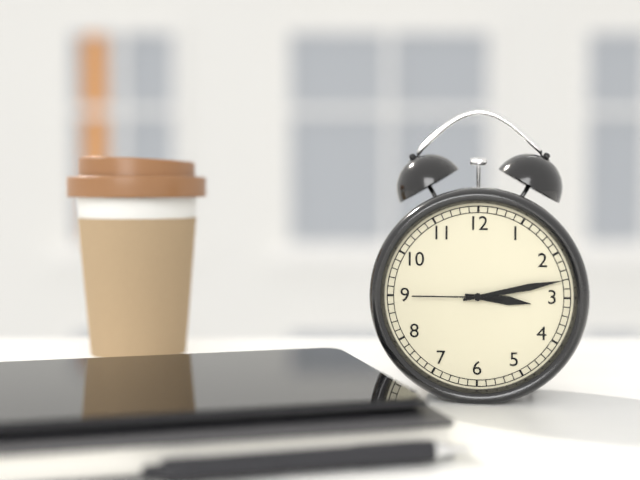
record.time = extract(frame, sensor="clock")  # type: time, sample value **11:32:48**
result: **3:13:45**
